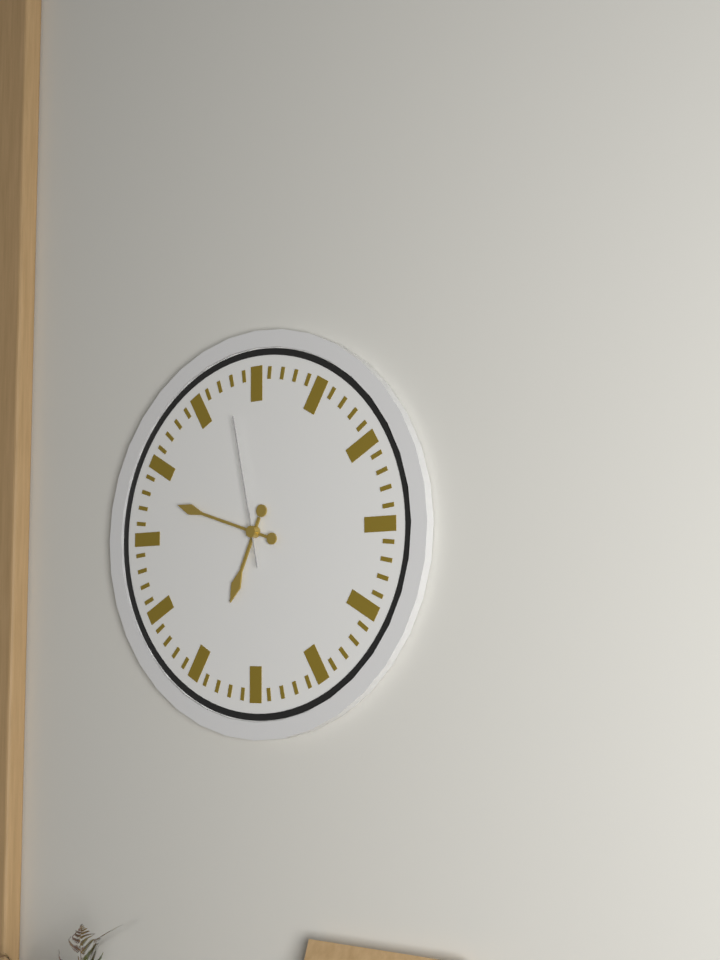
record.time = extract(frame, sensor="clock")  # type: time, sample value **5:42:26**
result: **6:48:58**
